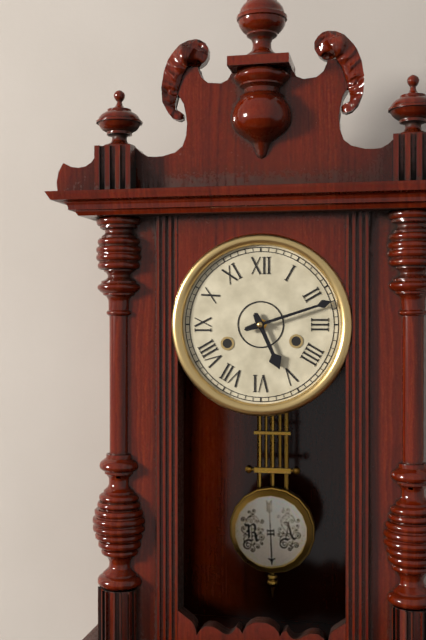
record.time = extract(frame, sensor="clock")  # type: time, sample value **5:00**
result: **5:12**
